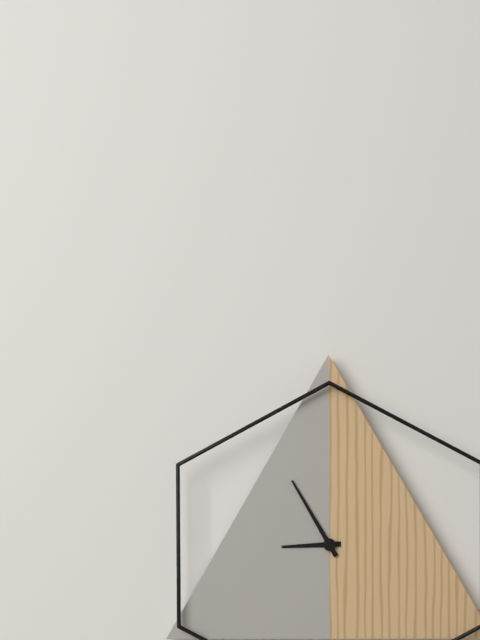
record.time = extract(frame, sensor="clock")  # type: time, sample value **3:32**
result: **8:55**
